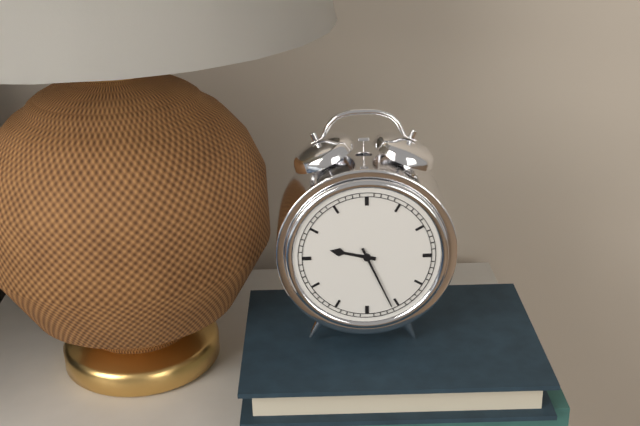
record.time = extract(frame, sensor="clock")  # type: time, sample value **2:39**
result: **9:26**
